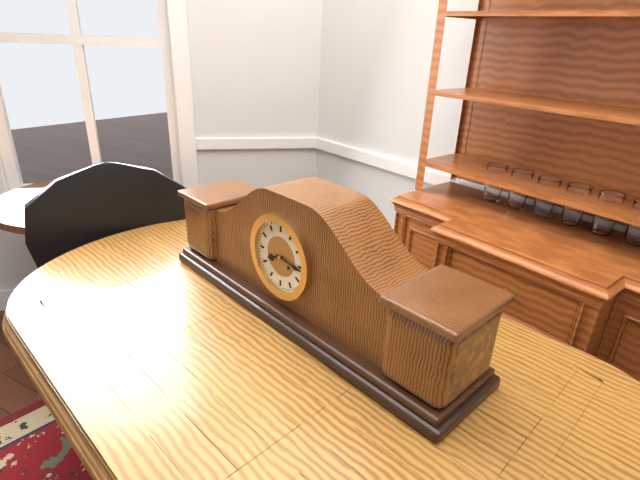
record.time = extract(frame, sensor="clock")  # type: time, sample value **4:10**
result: **8:16**
